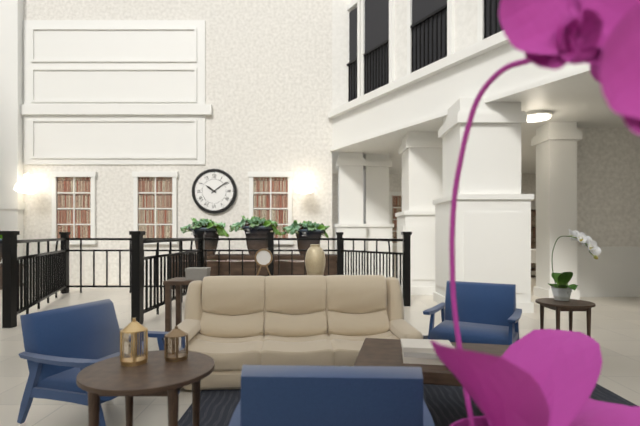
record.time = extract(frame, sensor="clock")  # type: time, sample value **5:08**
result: **10:09**
